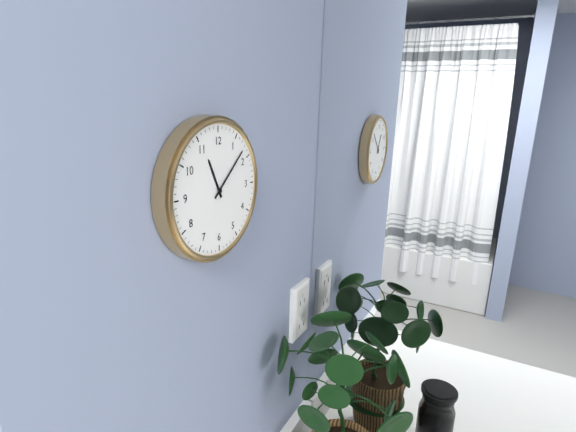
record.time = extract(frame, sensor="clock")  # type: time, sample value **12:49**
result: **11:08**
